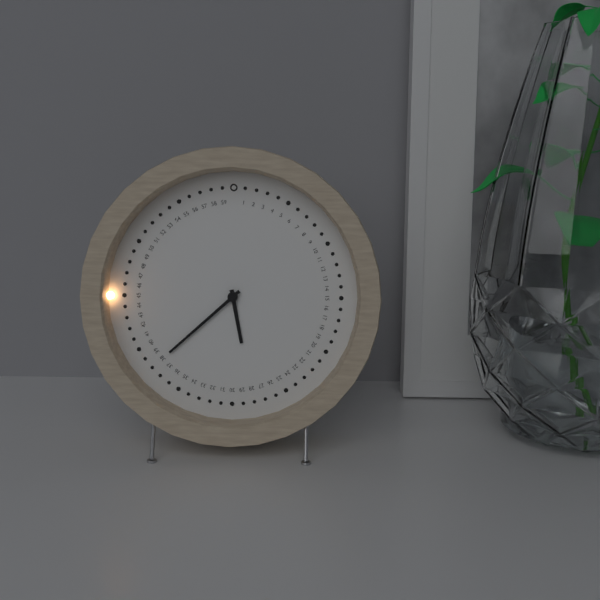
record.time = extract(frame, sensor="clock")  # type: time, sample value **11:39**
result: **5:38**
